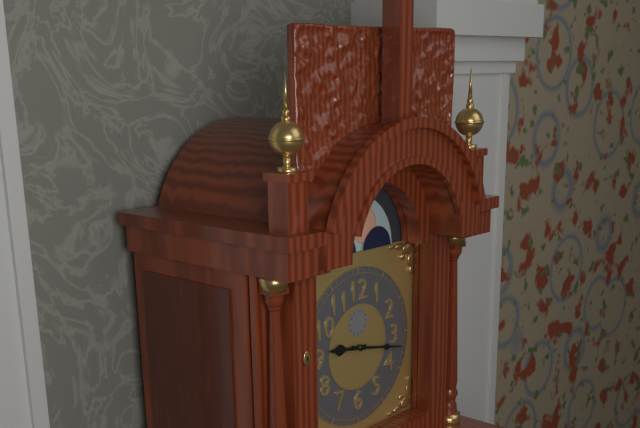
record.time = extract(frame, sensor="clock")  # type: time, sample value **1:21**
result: **9:17**
